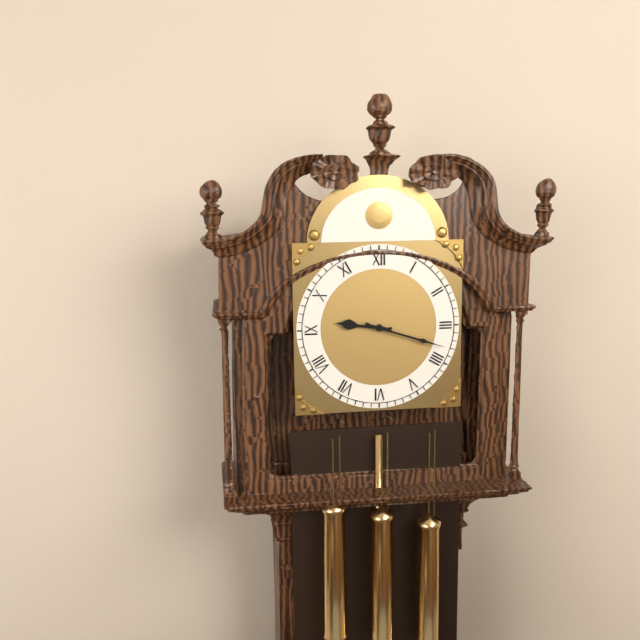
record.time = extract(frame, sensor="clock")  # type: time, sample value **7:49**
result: **9:18**
